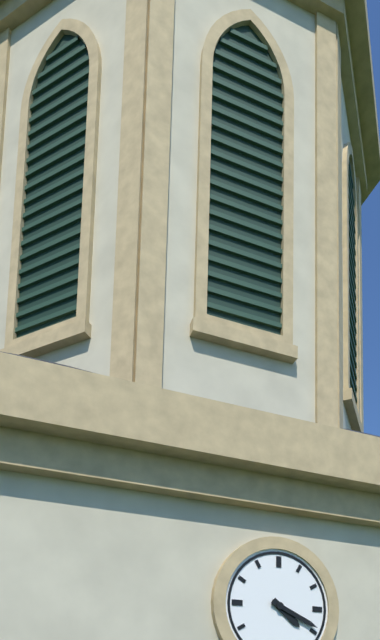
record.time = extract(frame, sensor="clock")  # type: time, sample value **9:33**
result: **4:19**
